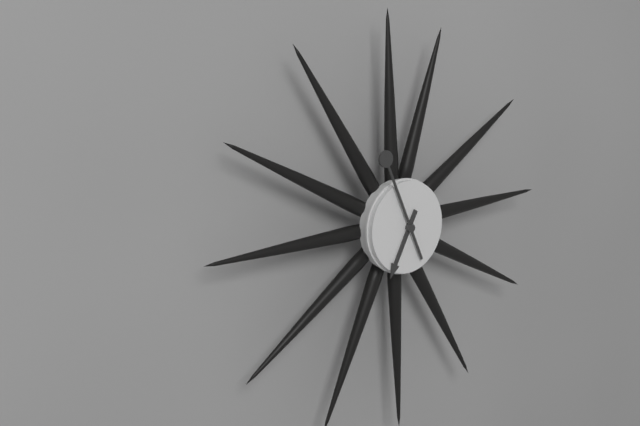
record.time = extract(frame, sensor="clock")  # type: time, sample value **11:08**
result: **6:56**
